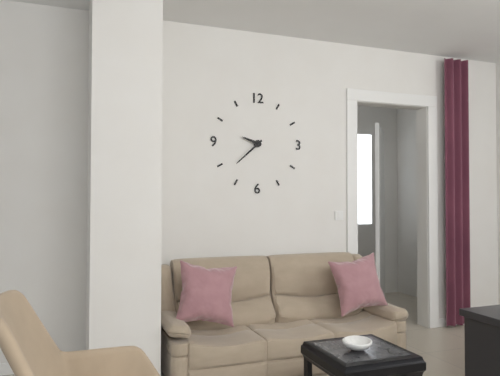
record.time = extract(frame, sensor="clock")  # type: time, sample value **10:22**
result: **9:38**
